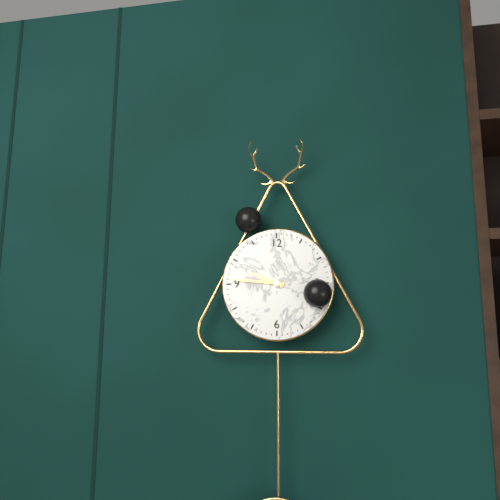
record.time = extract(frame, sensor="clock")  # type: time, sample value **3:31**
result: **9:46**
